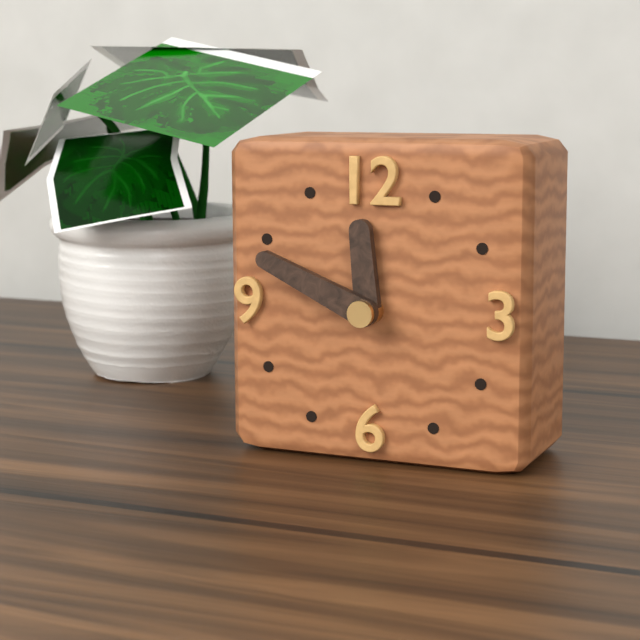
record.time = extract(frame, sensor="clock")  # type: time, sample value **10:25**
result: **11:49**
